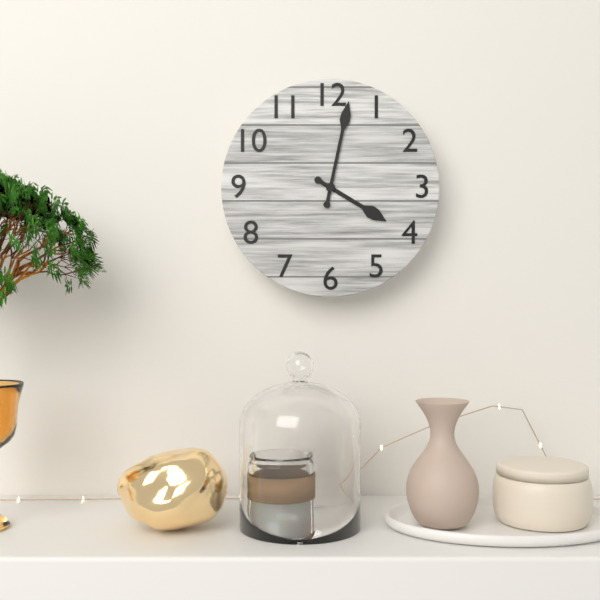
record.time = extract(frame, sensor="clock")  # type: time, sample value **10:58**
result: **4:02**
